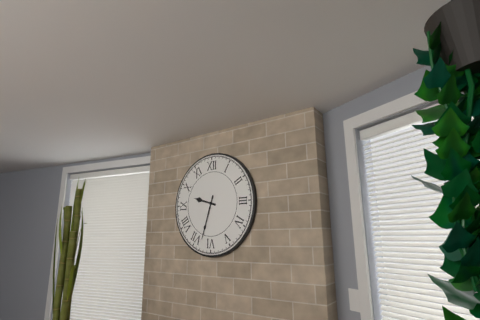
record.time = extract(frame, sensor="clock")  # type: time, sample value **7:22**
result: **9:33**
